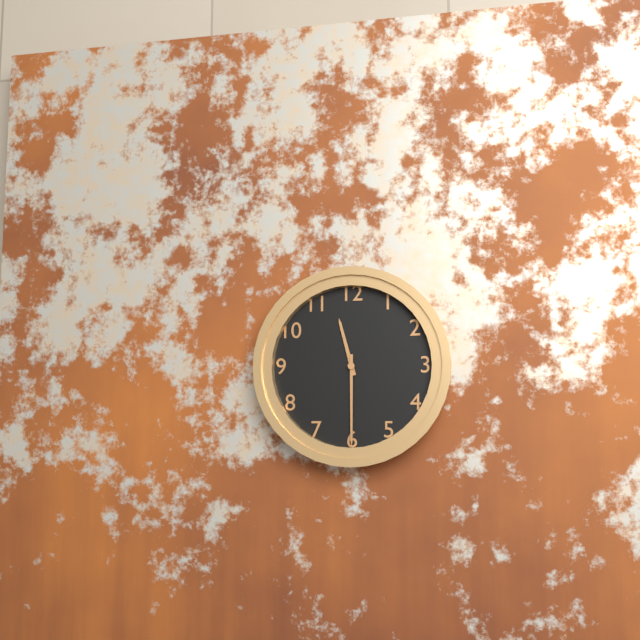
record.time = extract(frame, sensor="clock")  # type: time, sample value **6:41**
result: **11:30**
